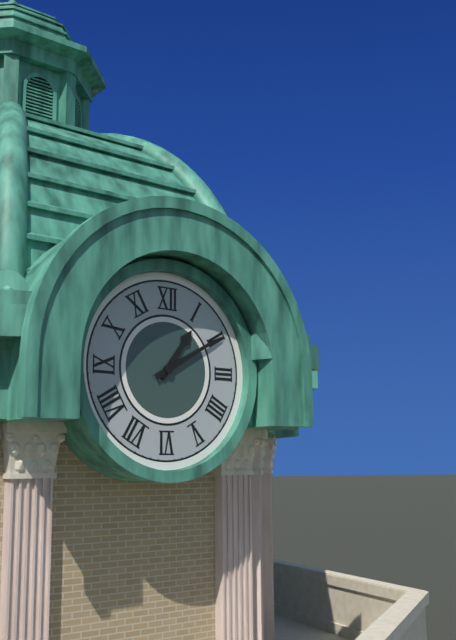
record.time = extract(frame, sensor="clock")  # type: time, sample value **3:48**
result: **1:10**
